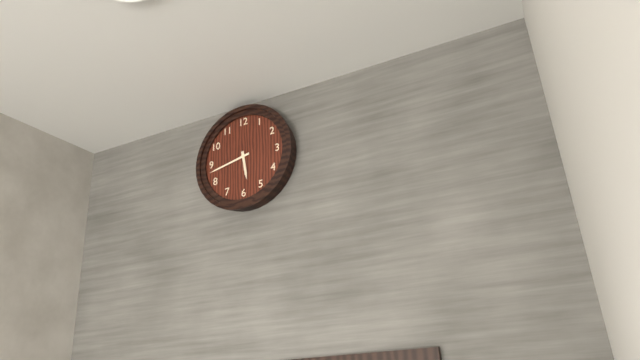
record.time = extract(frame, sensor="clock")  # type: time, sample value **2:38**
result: **5:43**
